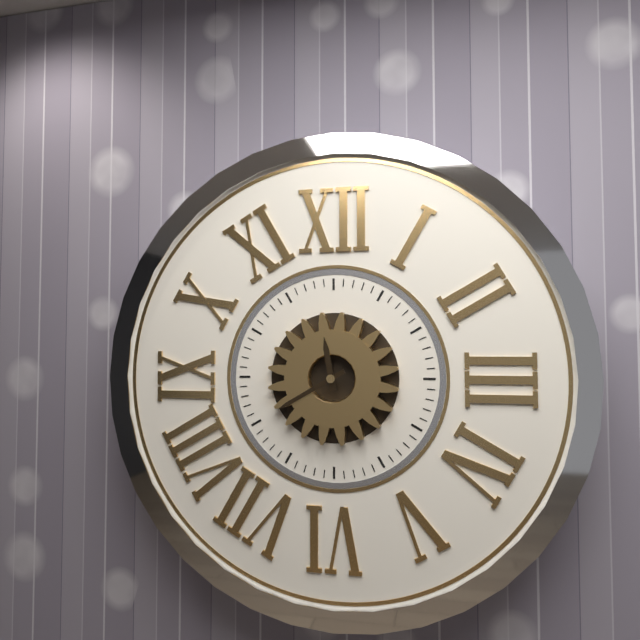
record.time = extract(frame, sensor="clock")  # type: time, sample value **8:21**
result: **11:40**
